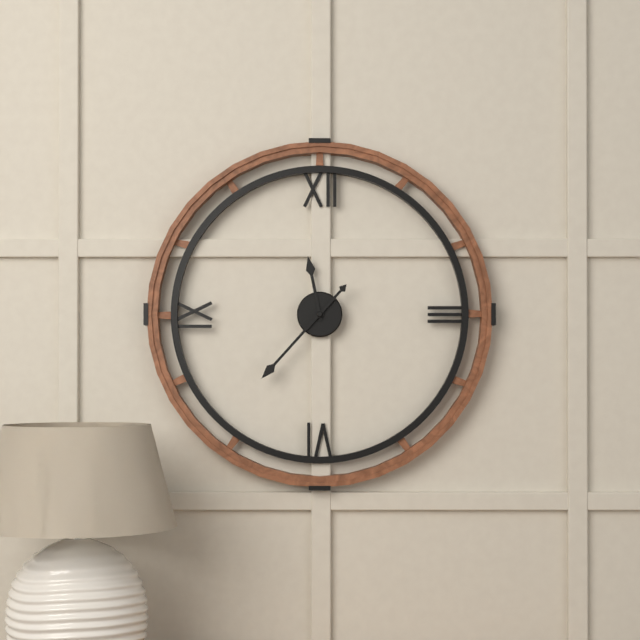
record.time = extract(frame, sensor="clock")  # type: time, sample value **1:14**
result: **11:37**
